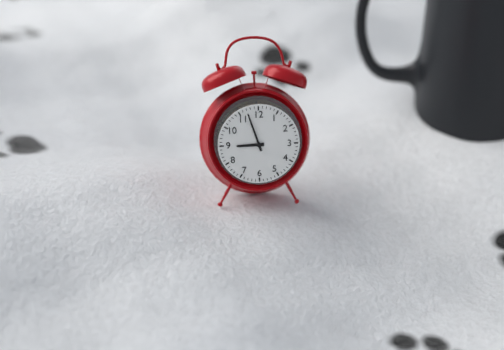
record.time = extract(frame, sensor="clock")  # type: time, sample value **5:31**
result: **8:57**
